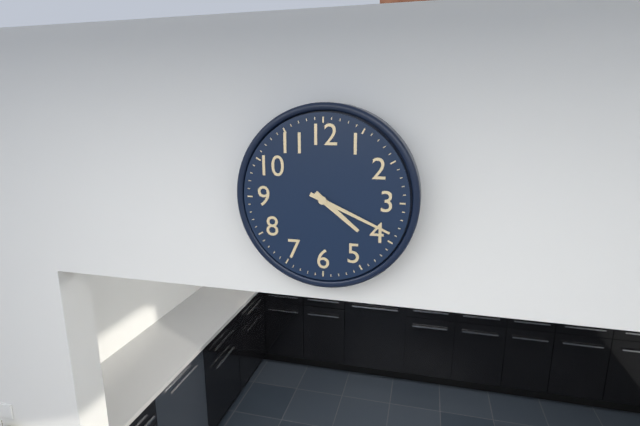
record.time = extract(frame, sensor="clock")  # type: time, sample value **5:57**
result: **4:19**
